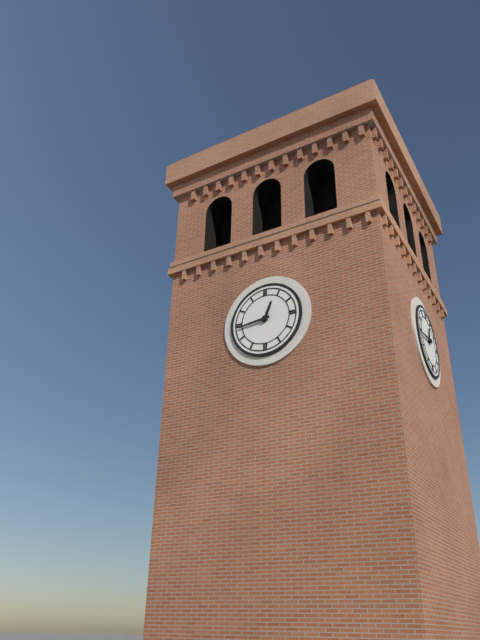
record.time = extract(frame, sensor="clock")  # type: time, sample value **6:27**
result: **12:44**
